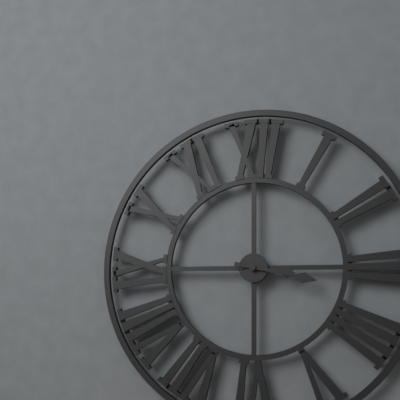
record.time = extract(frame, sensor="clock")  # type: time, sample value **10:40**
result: **3:17**
